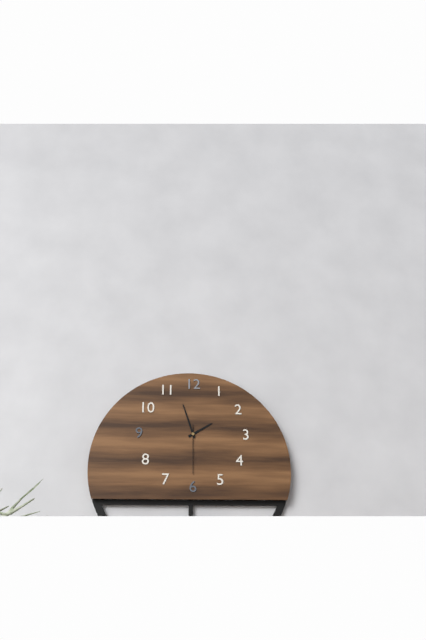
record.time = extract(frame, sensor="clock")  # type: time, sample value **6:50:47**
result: **1:57:30**
